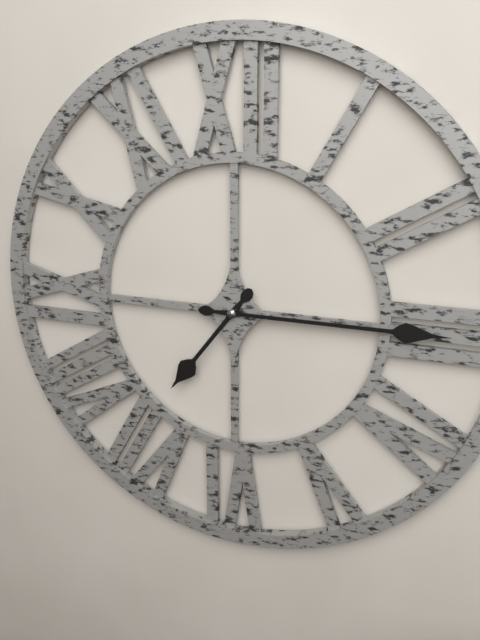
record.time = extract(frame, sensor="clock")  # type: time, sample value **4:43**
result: **7:15**
